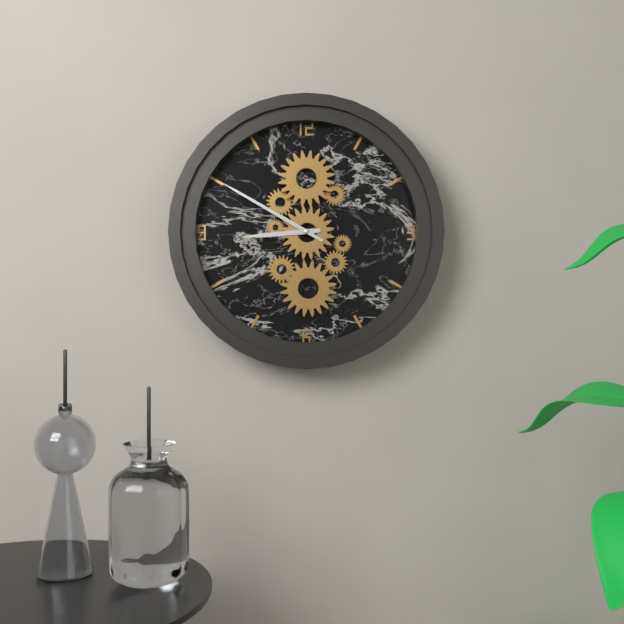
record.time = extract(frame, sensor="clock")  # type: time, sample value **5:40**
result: **8:50**
